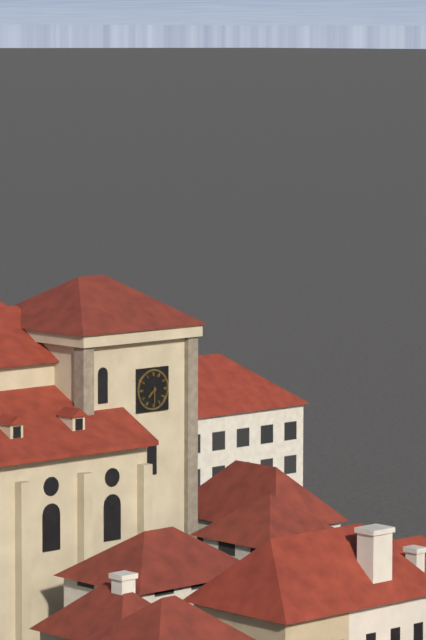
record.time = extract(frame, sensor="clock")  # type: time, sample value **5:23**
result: **7:30**
